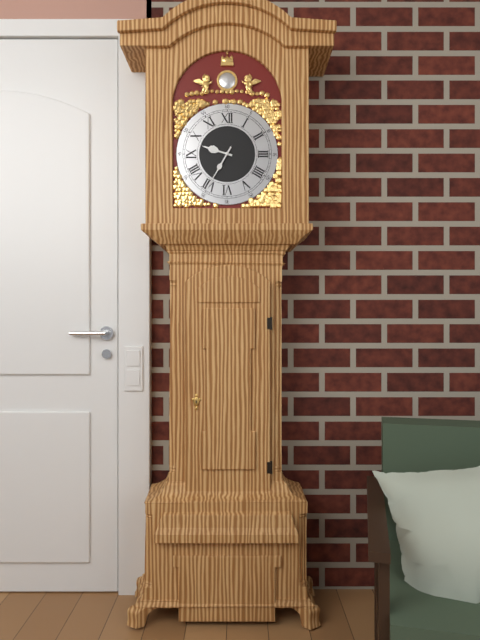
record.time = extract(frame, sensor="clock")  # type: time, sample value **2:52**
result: **9:35**
